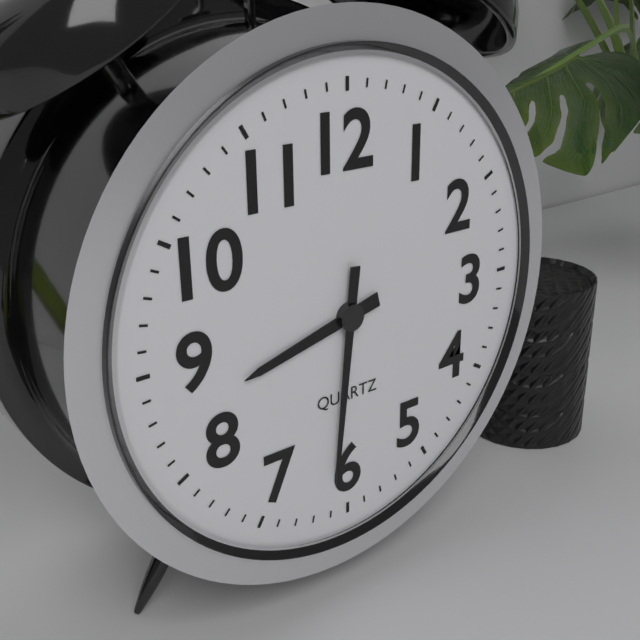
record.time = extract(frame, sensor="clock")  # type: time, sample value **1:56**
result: **8:31**
